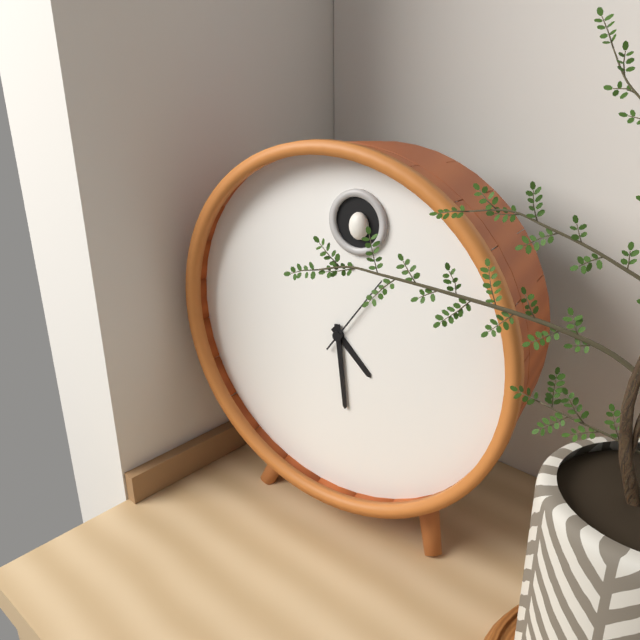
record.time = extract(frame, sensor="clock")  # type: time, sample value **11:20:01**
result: **4:29:06**
